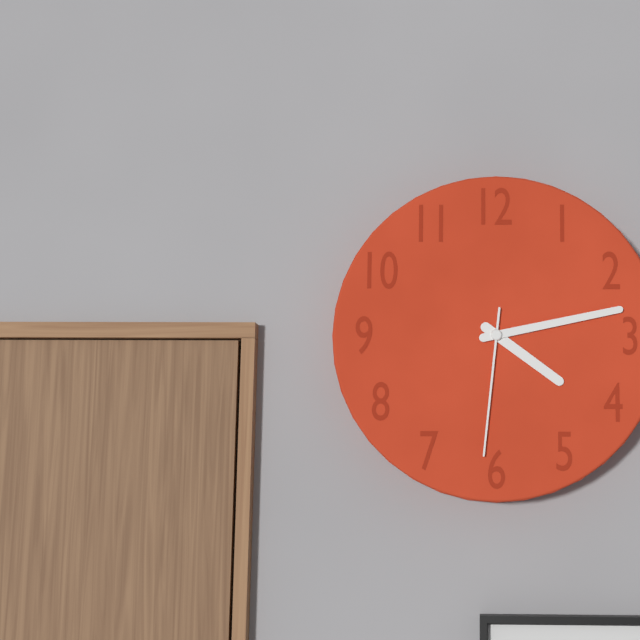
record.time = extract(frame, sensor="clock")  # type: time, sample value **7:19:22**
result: **4:13:31**
